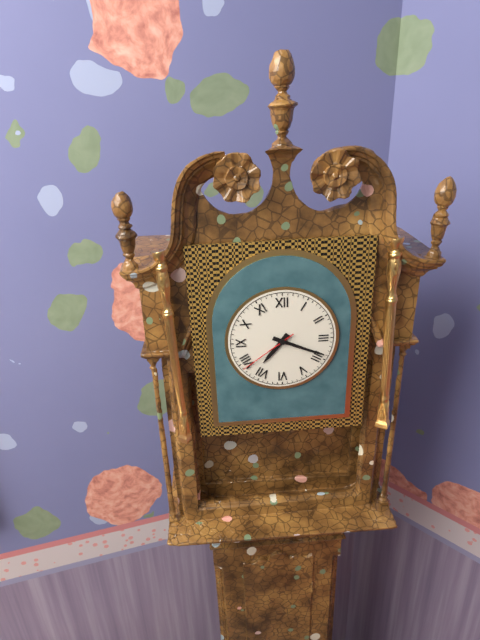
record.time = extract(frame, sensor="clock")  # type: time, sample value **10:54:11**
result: **7:19:39**
